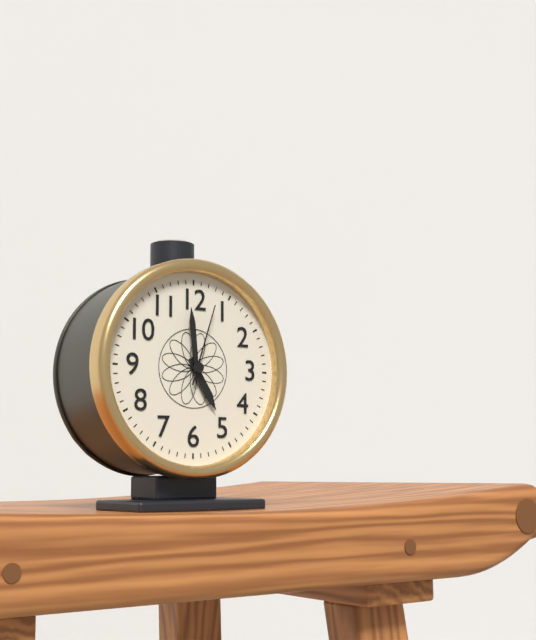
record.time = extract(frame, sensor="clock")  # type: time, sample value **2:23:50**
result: **4:59:03**
